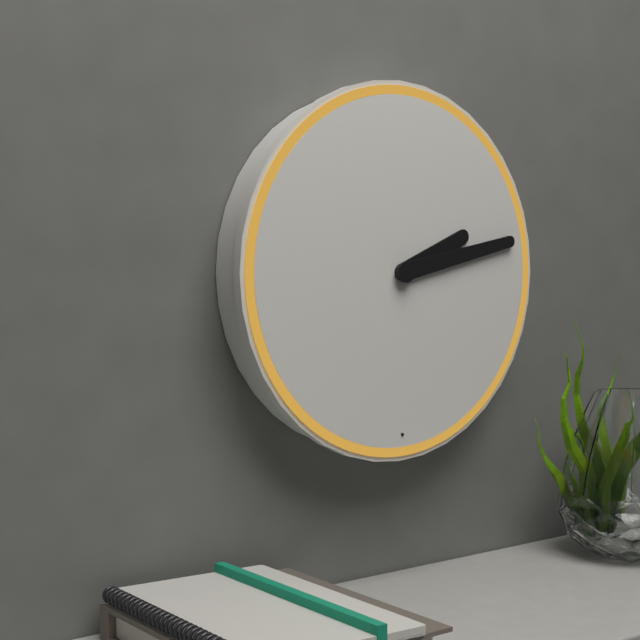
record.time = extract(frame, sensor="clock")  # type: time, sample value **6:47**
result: **2:13**
